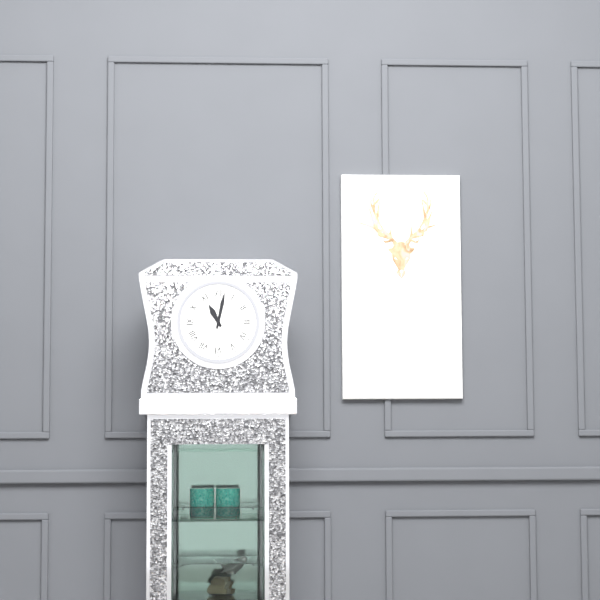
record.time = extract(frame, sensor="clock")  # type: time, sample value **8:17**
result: **11:02**
